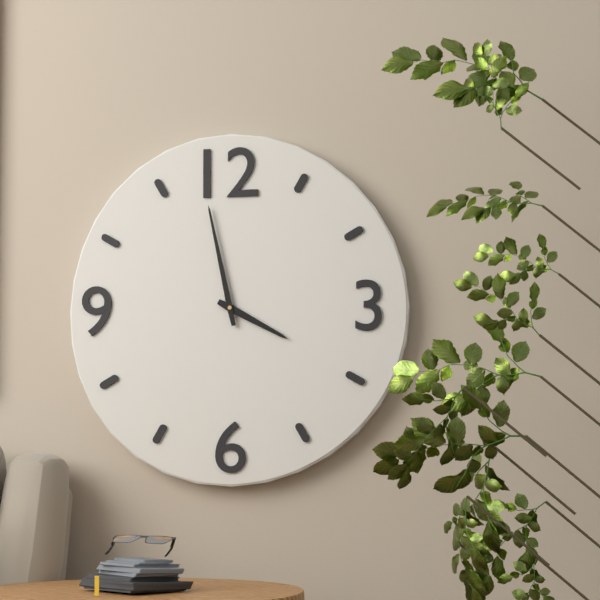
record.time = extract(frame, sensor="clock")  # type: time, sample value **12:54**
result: **3:58**
